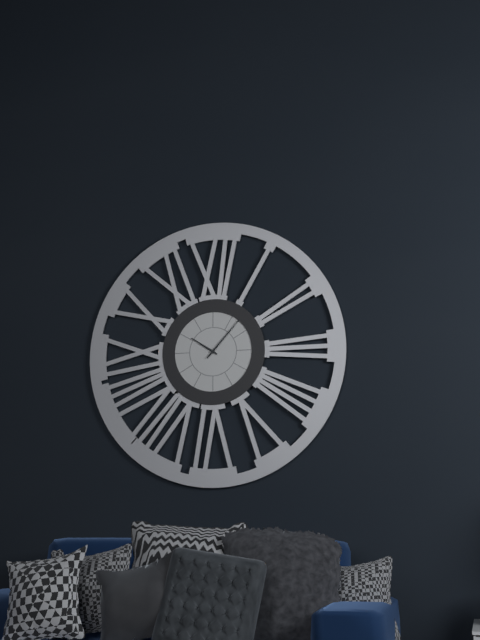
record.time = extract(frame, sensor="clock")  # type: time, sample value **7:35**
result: **10:07**
